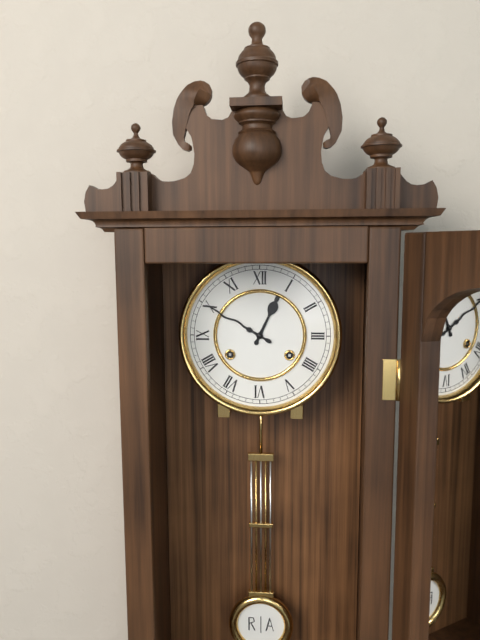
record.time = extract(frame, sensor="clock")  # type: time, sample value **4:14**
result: **12:50**
